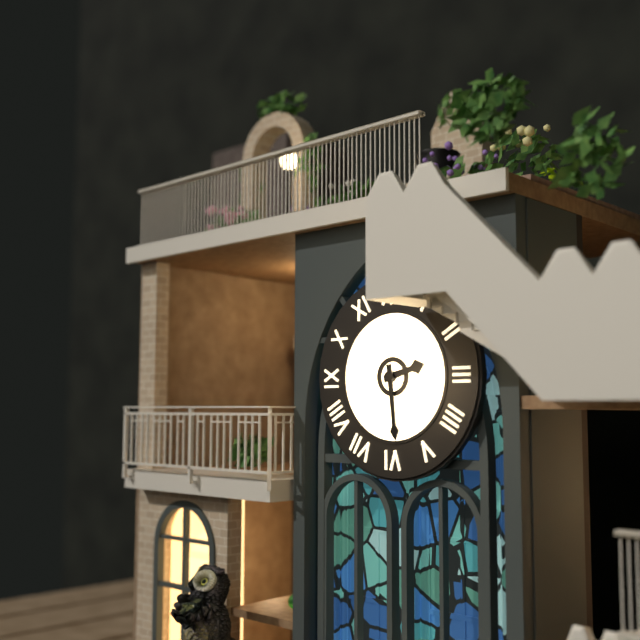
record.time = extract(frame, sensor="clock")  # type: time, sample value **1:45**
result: **2:29**
